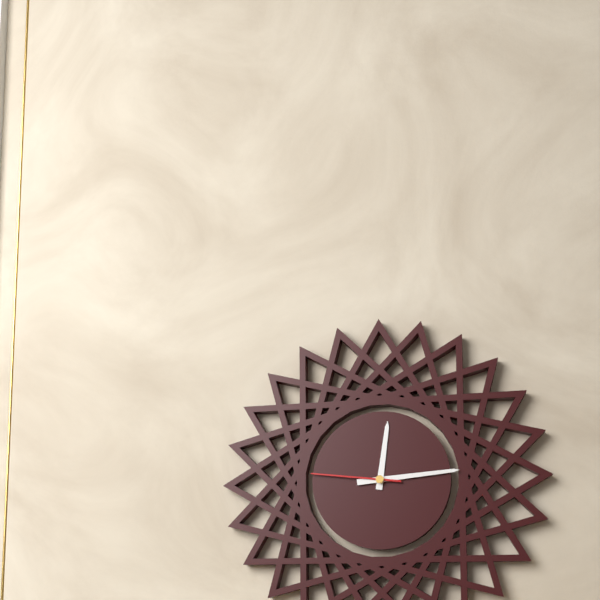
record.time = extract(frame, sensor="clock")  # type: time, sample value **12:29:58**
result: **12:14:46**
